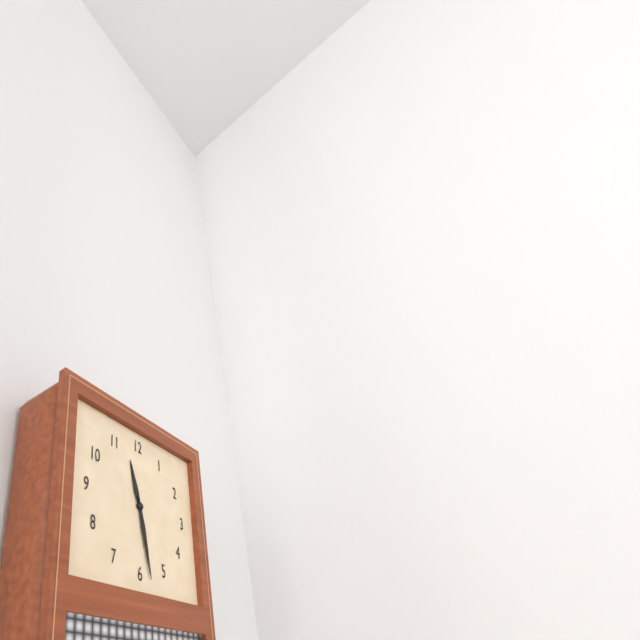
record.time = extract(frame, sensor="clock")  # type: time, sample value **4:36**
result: **11:28**
